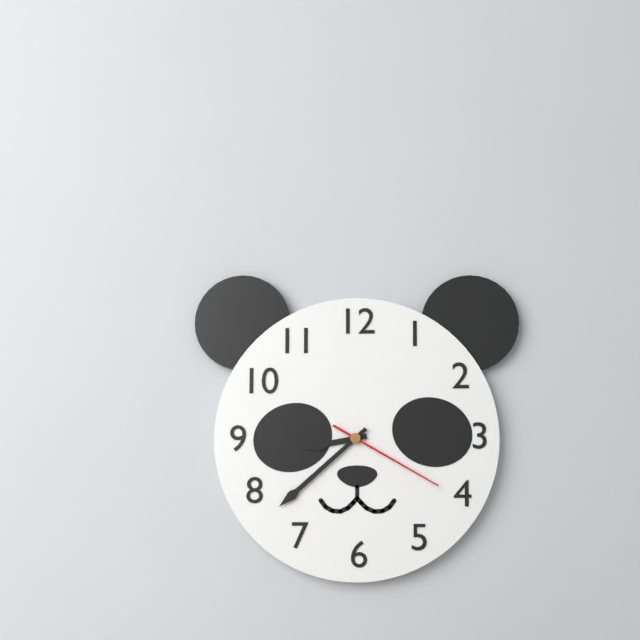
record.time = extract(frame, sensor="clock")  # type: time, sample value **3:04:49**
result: **8:38:20**
